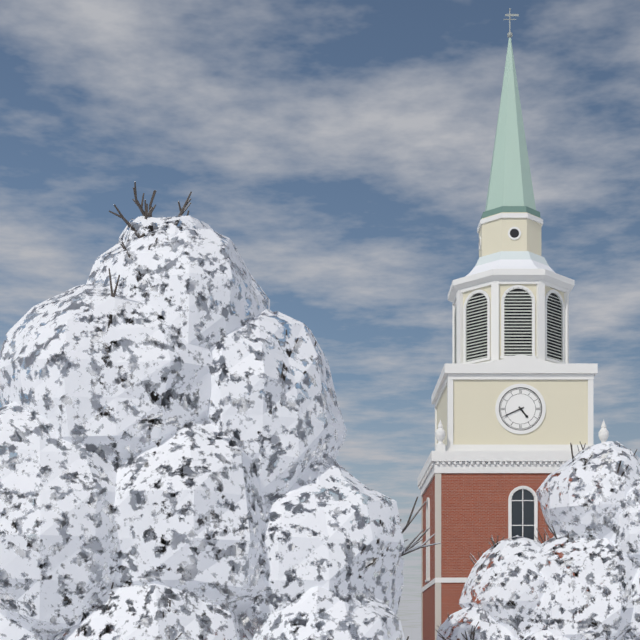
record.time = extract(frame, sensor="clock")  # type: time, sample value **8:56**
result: **4:41**
